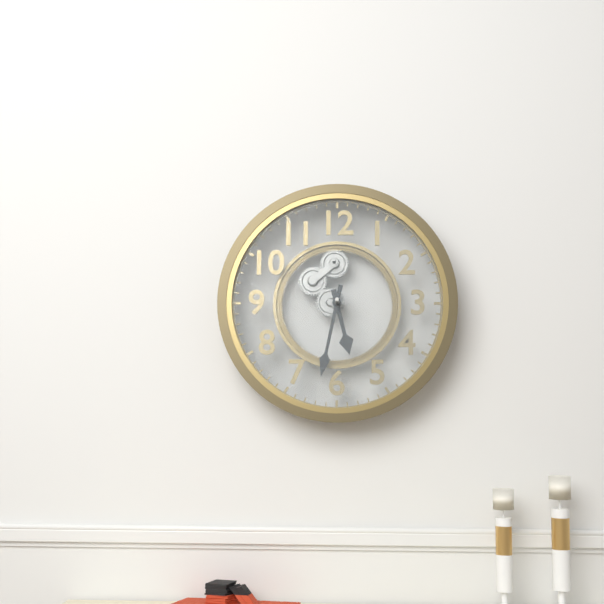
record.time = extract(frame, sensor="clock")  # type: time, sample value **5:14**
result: **5:32**
